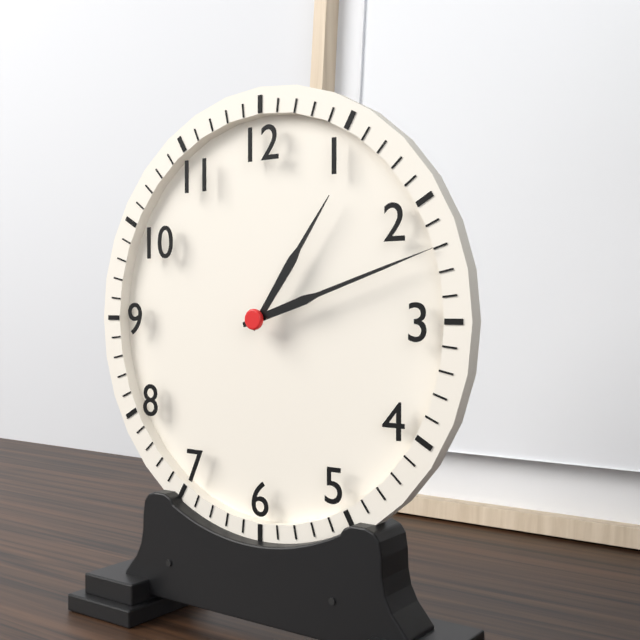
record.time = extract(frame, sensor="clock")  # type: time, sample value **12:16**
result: **1:12**
